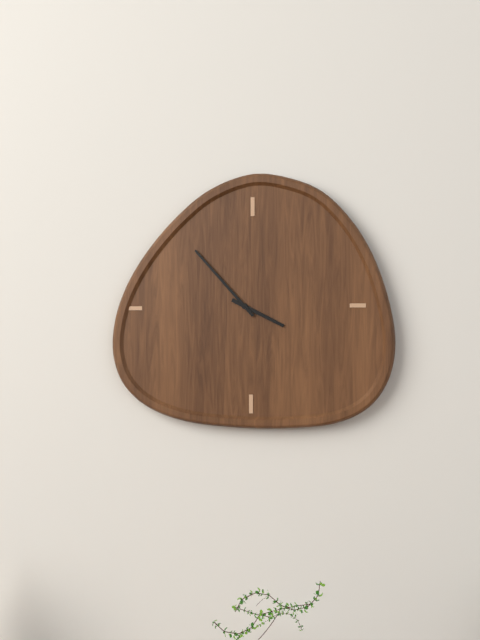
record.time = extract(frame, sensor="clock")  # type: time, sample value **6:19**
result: **3:53**
